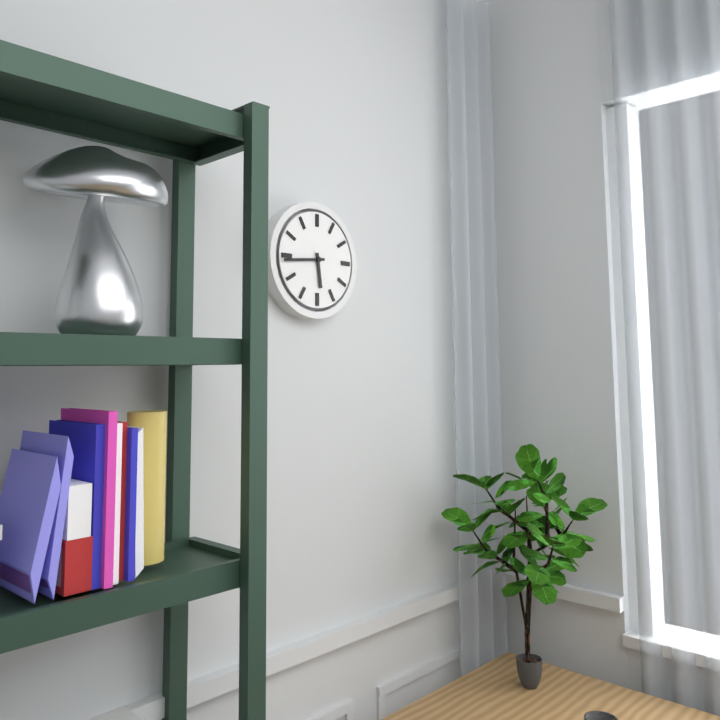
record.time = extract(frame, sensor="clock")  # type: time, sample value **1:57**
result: **5:44**
